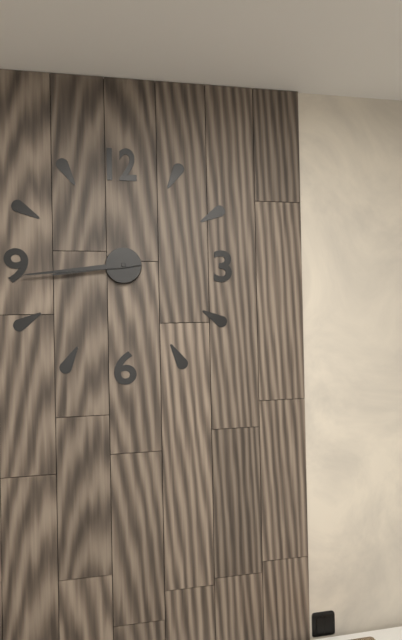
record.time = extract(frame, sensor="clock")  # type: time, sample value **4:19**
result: **8:44**
